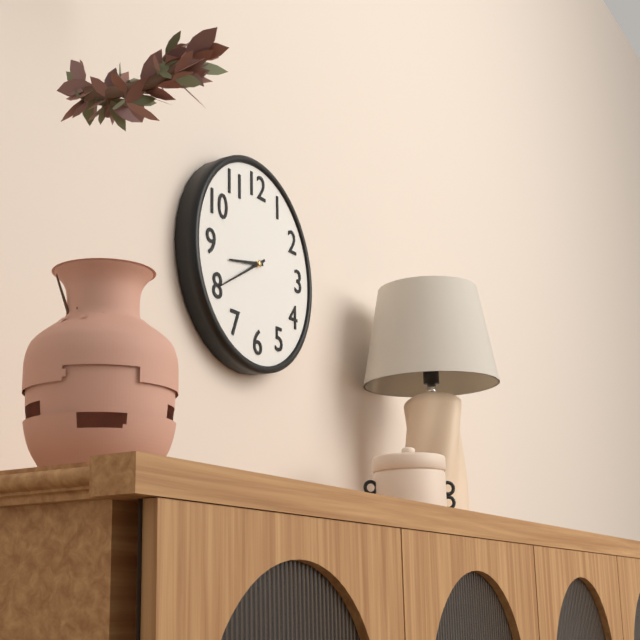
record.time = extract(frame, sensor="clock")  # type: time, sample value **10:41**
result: **8:40**
